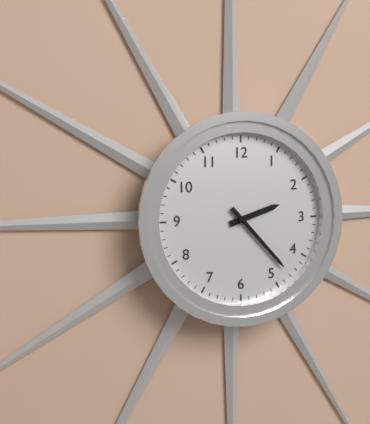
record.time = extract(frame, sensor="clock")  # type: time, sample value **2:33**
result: **2:23**
